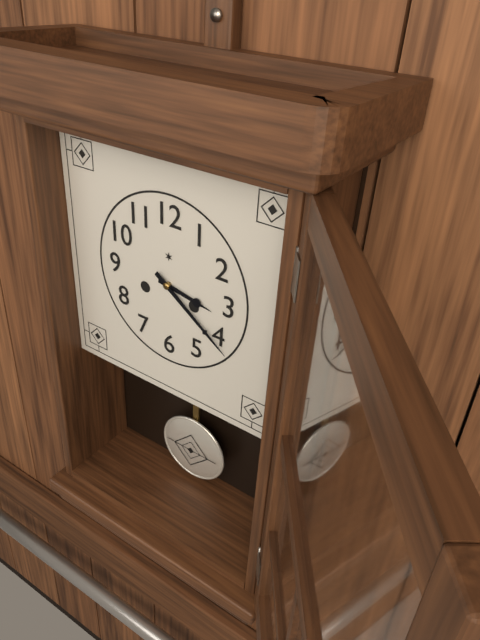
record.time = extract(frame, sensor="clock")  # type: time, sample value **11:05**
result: **3:21**
